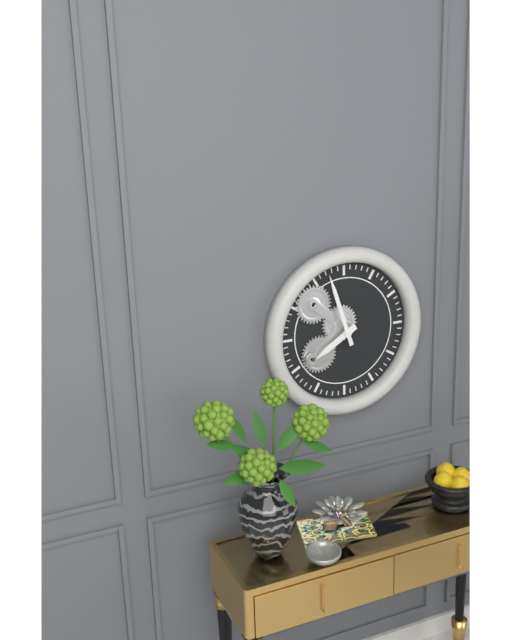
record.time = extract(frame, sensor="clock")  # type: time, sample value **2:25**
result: **7:57**
